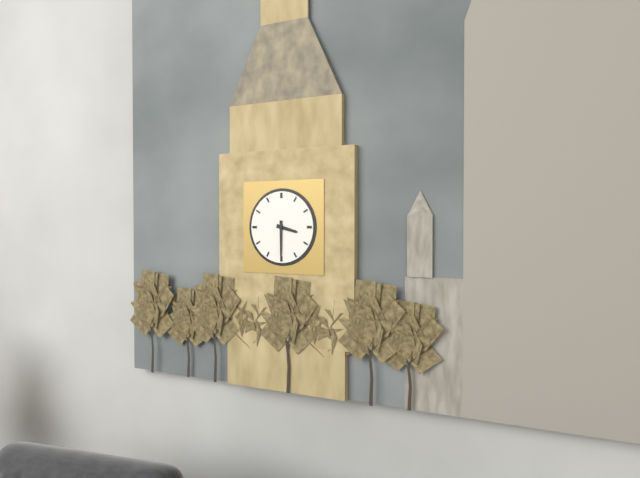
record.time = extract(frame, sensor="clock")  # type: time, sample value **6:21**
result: **3:30**
